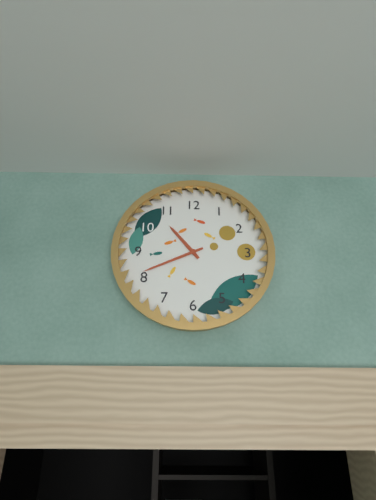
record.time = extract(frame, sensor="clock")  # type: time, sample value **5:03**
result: **10:41**
